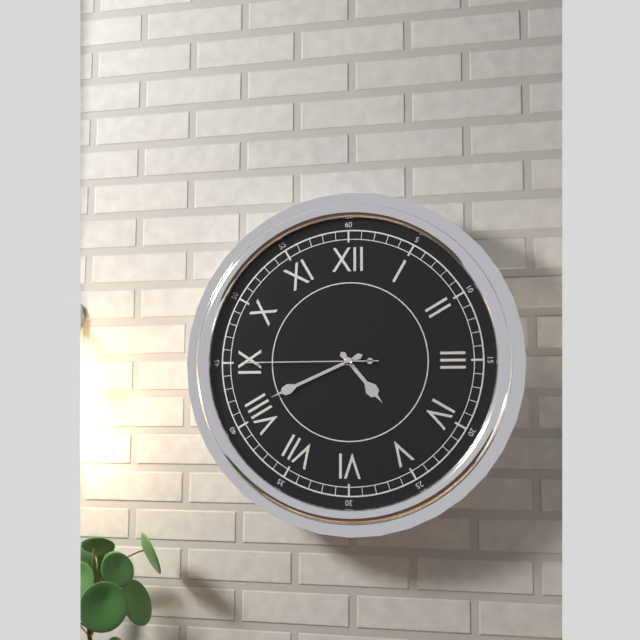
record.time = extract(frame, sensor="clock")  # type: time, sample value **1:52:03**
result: **4:41:45**
